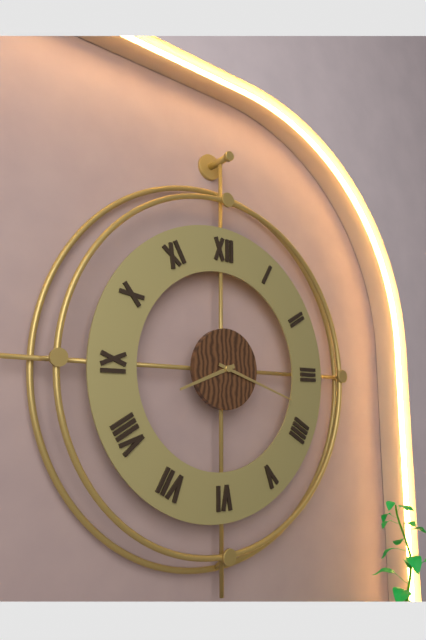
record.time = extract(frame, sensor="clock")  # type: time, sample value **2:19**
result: **8:18**
